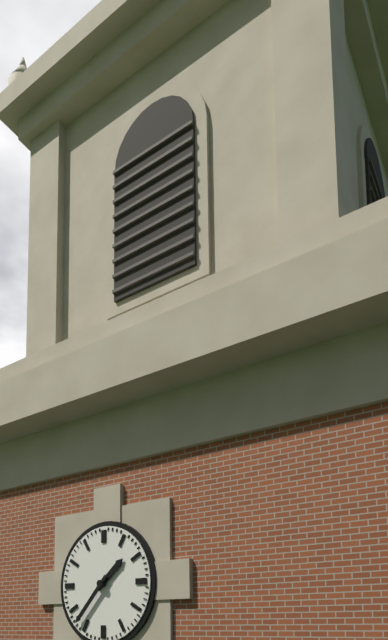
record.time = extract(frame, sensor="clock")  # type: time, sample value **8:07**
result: **1:37**
